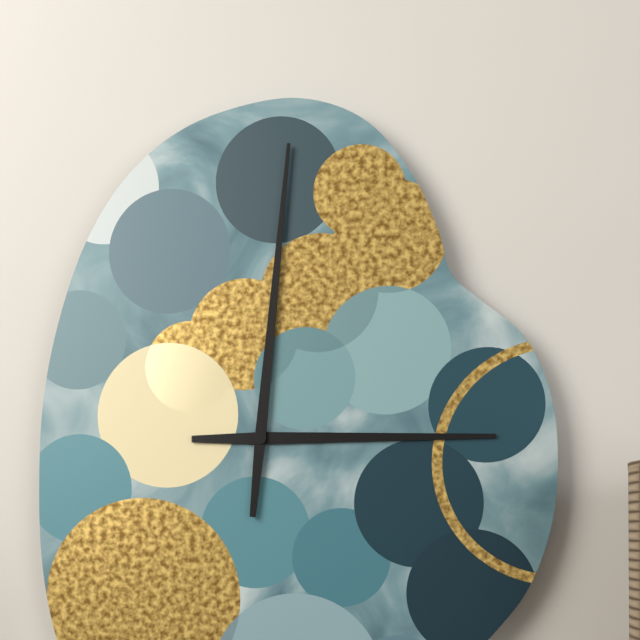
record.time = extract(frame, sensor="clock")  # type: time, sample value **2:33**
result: **3:01**
